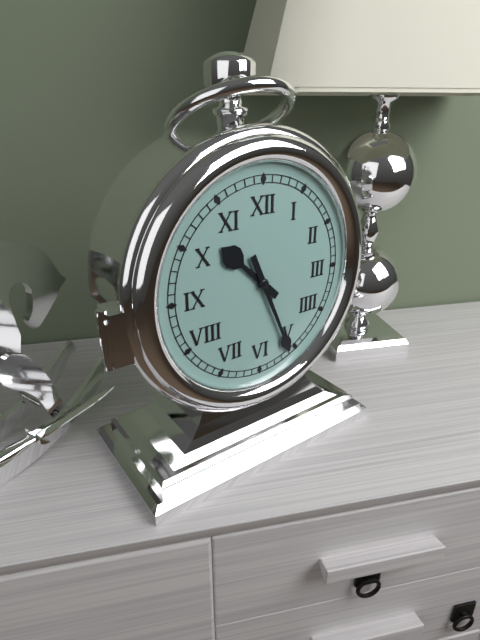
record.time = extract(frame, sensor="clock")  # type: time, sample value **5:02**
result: **10:26**
